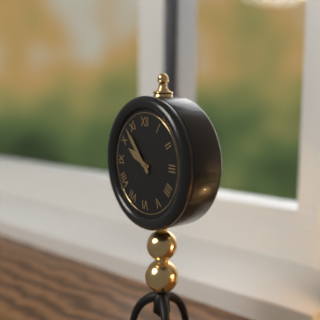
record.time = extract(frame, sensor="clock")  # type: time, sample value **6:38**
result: **9:53**
